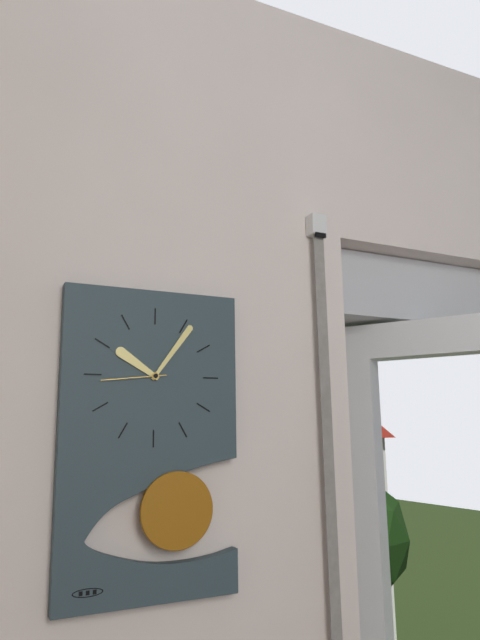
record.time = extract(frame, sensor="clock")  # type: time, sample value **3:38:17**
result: **10:06:44**
